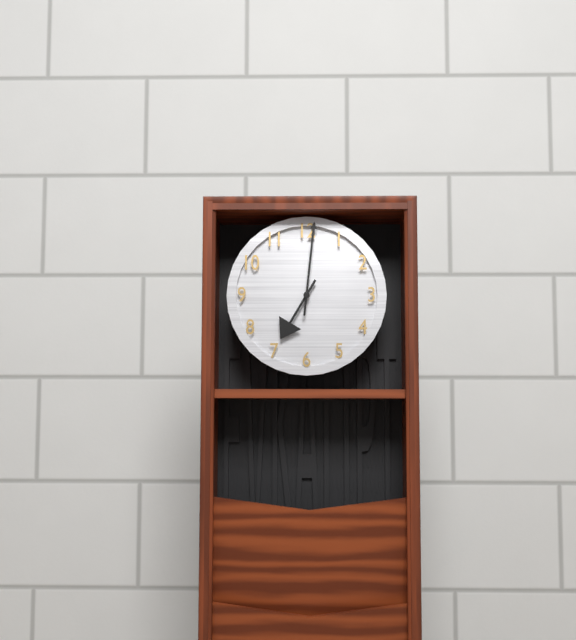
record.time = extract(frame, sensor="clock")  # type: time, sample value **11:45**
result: **7:01**
